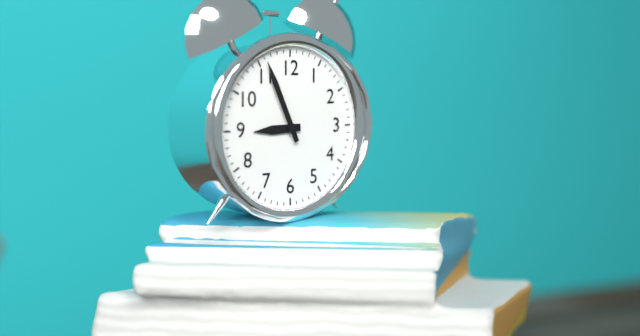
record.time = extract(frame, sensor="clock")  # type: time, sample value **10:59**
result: **8:56**
